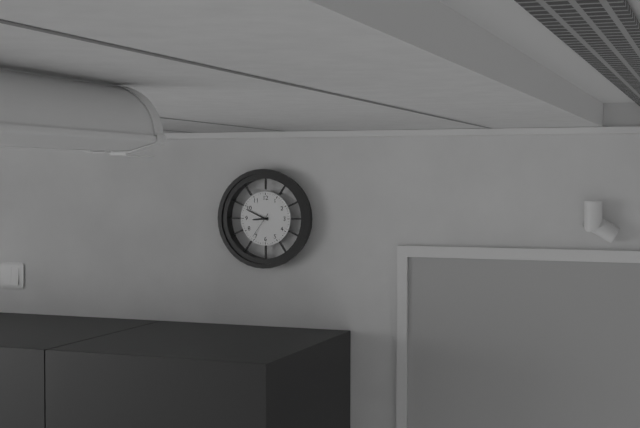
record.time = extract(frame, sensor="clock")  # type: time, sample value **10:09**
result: **8:49**
